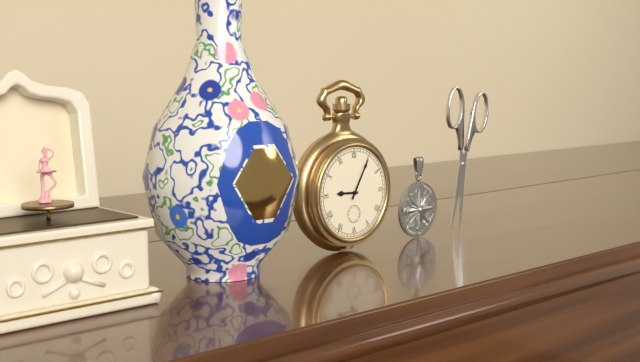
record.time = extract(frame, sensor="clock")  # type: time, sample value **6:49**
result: **9:05**
